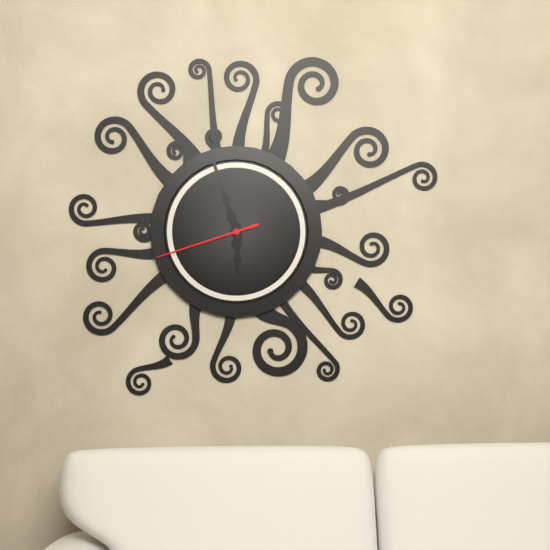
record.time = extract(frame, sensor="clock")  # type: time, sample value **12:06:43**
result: **5:57:42**
